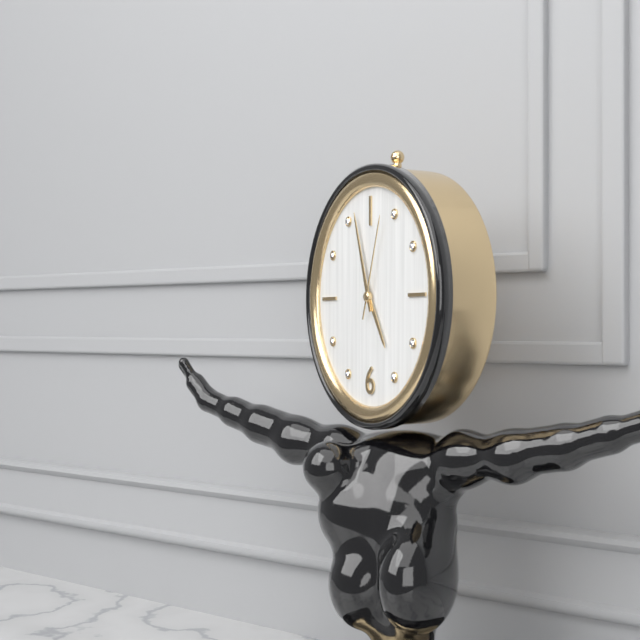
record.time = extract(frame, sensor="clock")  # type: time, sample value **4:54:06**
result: **4:57:03**
